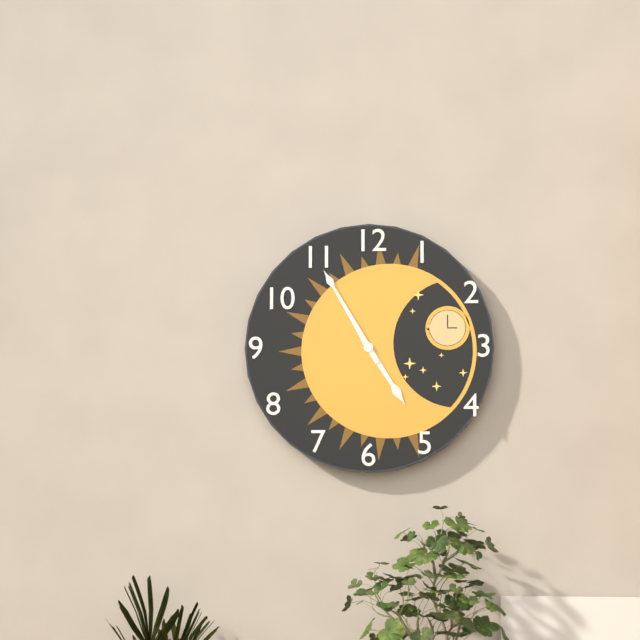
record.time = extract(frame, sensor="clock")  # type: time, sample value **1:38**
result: **4:55**
